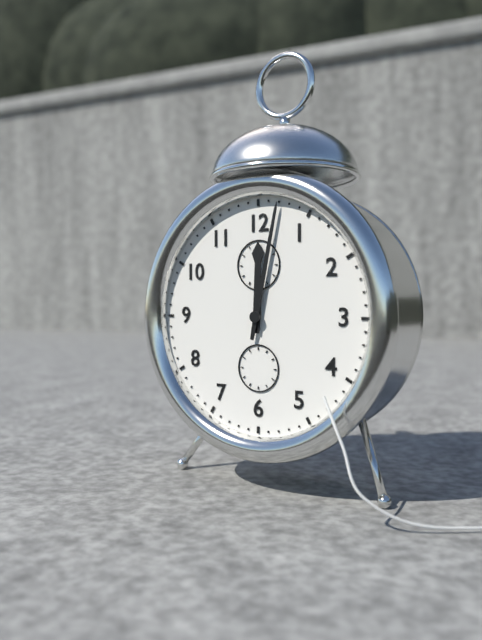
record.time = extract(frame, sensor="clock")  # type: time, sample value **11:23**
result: **12:02**
